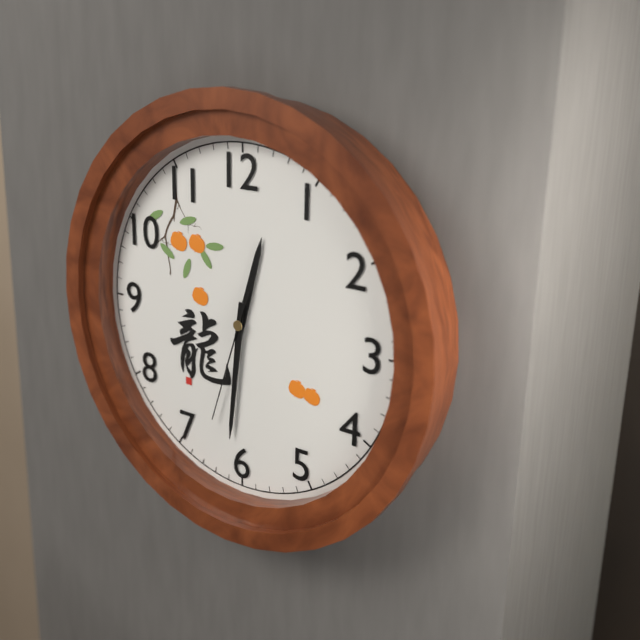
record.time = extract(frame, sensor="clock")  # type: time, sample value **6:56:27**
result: **12:31:33**
